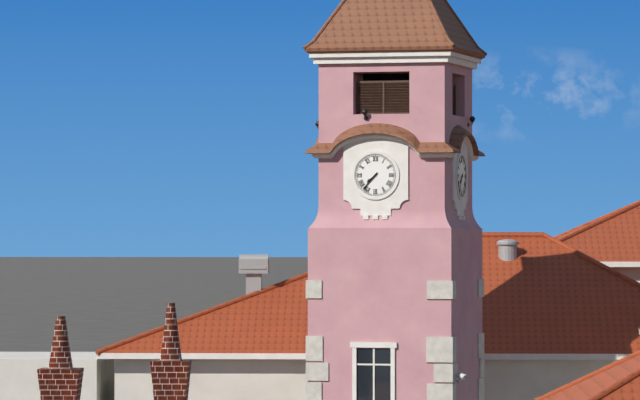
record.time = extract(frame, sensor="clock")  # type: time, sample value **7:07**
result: **7:37**
